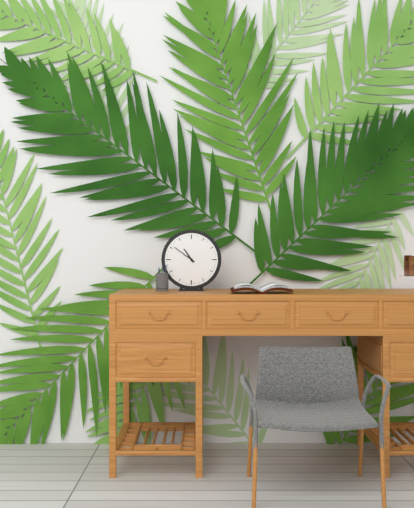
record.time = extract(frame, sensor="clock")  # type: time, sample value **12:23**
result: **10:51**
